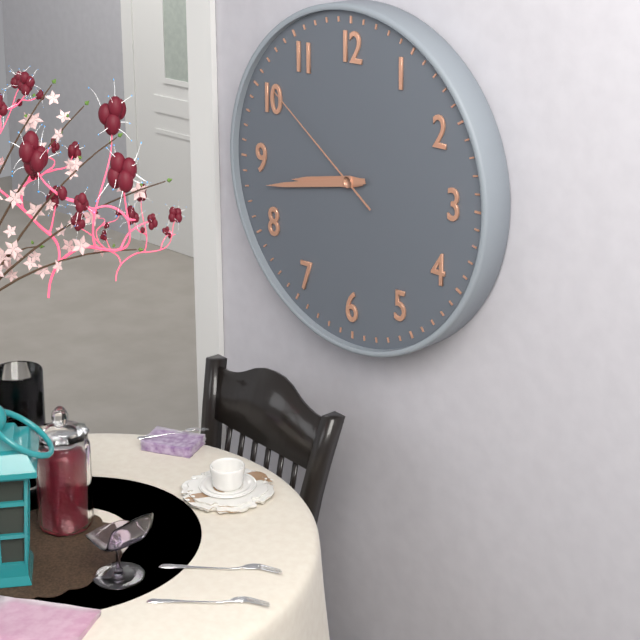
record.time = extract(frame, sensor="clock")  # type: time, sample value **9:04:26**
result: **8:43:51**
